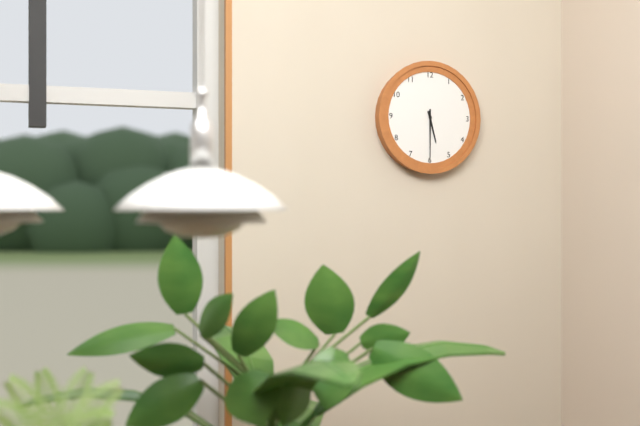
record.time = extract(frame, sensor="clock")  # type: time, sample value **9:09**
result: **5:30**
